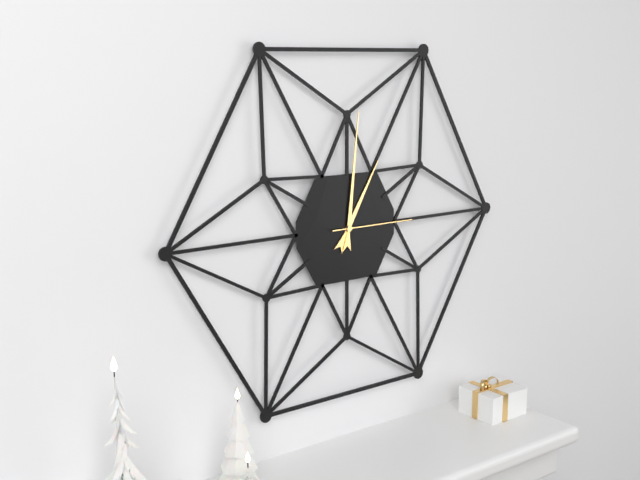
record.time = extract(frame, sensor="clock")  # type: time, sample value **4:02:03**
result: **1:01:15**
